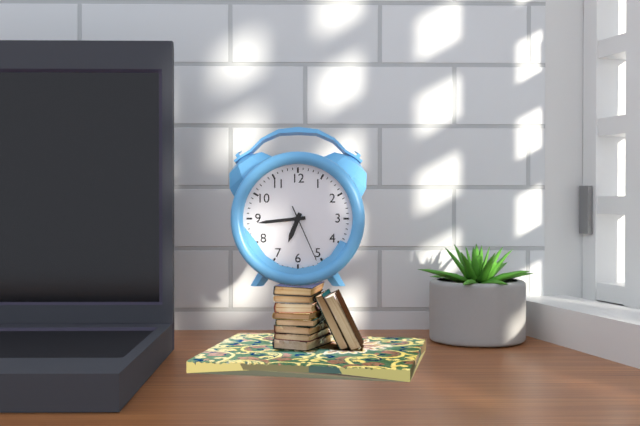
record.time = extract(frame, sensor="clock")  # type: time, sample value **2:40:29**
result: **6:44:26**
